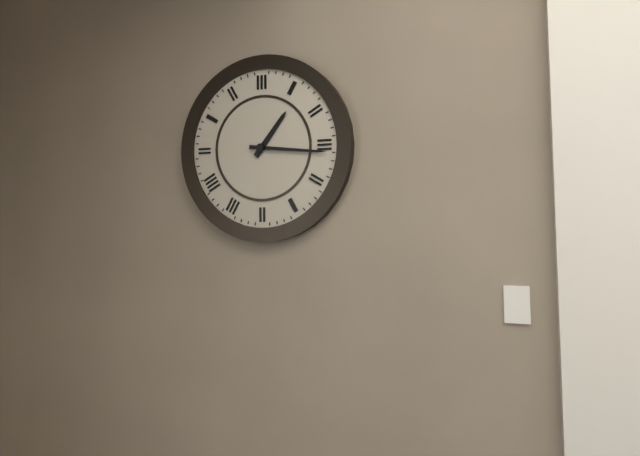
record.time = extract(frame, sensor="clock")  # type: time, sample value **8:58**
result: **1:16**
